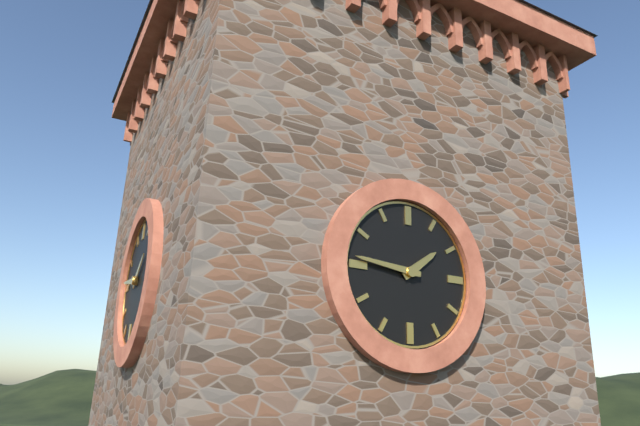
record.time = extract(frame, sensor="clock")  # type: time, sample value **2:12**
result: **1:46**
